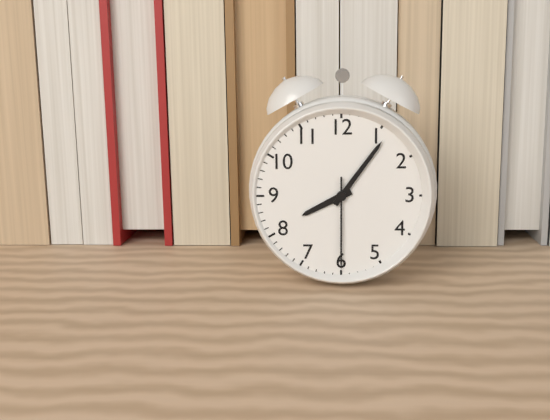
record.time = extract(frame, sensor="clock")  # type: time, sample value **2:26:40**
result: **8:06:30**
